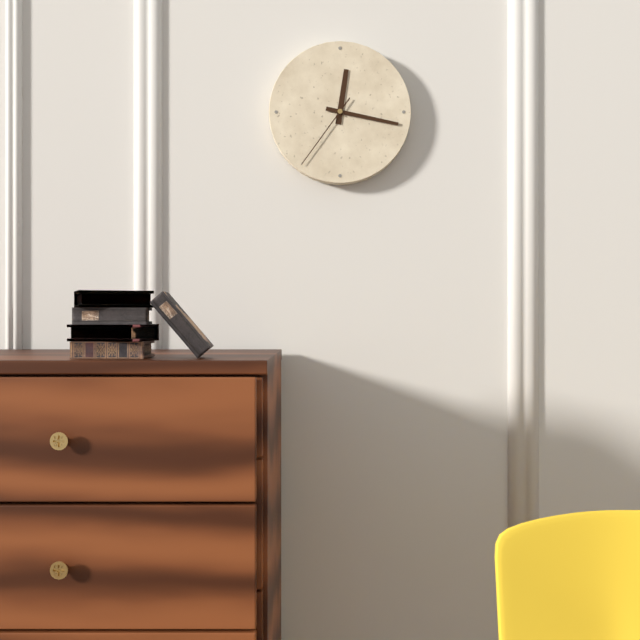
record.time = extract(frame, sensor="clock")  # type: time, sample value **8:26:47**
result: **12:17:36**
